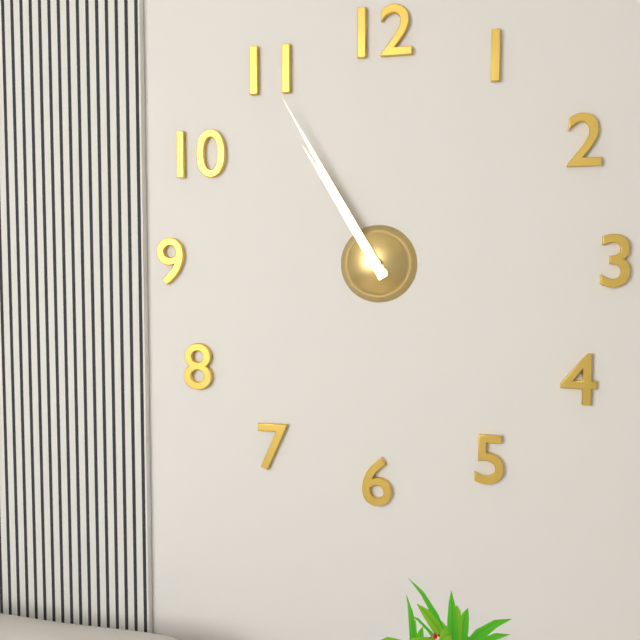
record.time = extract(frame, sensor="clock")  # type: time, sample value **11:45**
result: **10:55**
